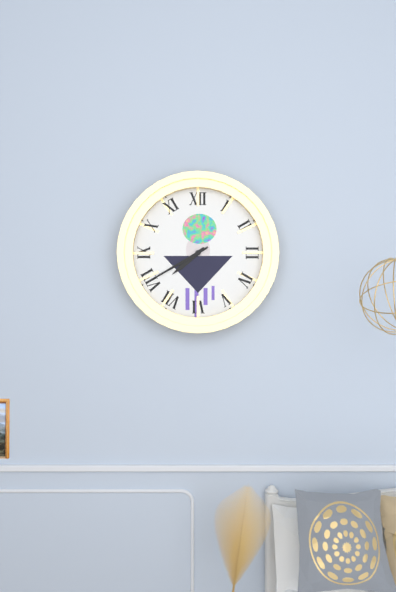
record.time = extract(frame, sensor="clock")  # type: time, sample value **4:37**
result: **7:40**
